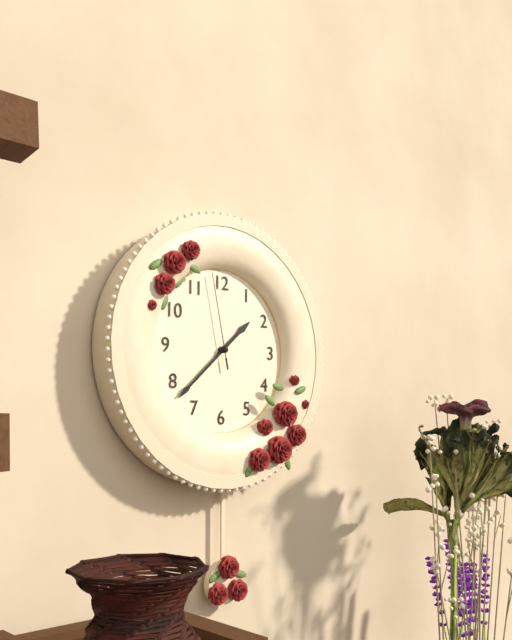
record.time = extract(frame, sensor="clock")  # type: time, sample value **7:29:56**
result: **1:38:58**
